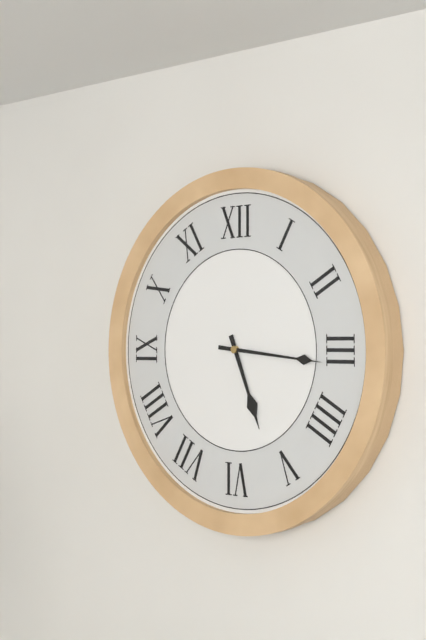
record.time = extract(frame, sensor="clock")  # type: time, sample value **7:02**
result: **5:16**
